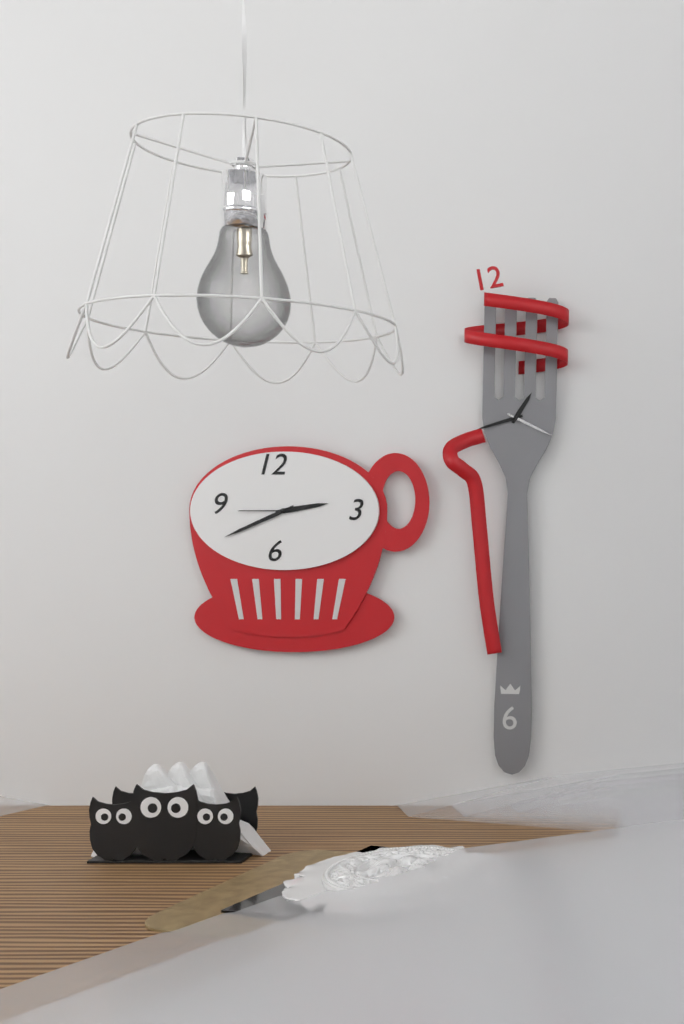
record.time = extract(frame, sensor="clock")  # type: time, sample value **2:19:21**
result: **2:41:45**
